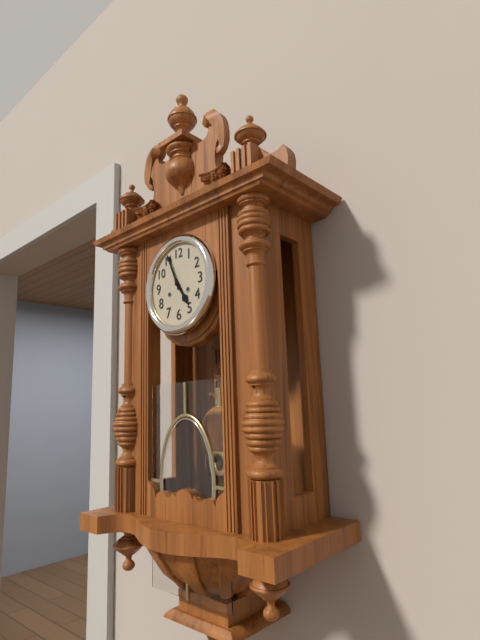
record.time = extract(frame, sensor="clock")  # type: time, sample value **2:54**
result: **4:56**
